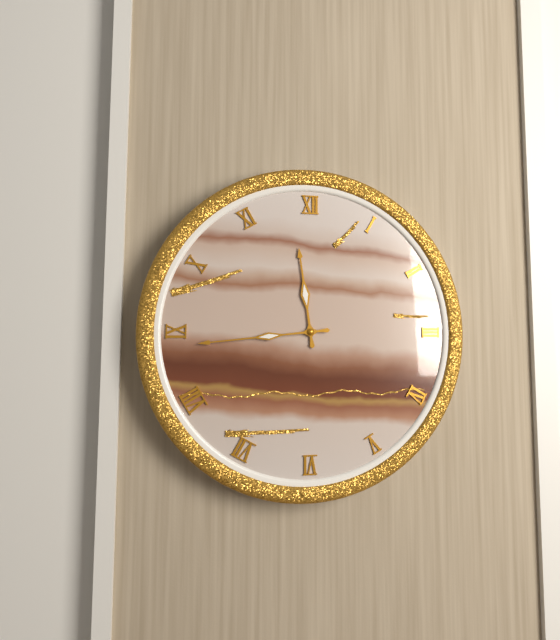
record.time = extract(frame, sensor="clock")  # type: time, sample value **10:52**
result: **11:44**
